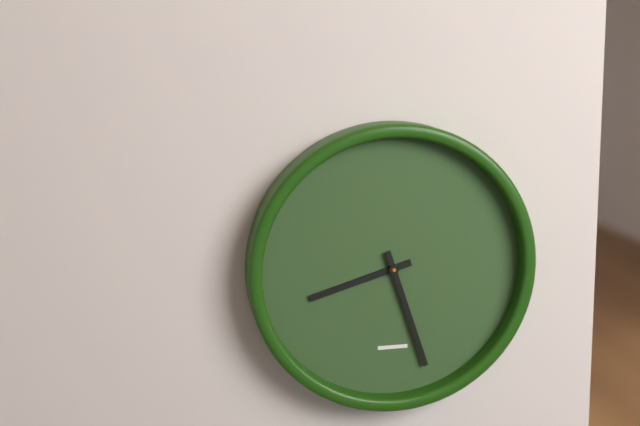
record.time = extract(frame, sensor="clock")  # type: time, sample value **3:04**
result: **8:27**
